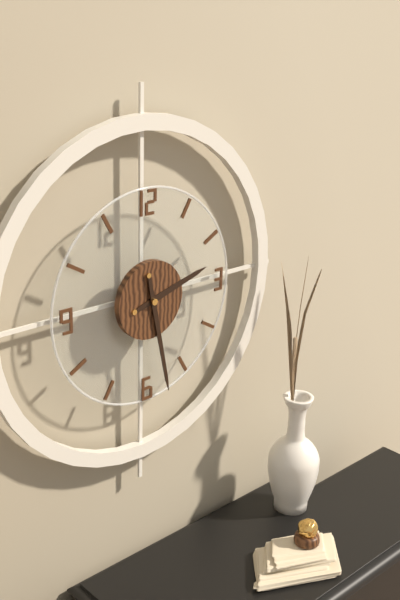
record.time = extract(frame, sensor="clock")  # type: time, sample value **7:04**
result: **2:28**
